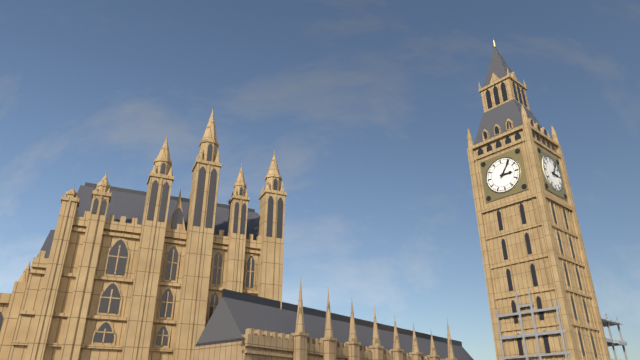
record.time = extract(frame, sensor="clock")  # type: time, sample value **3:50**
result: **3:06**
